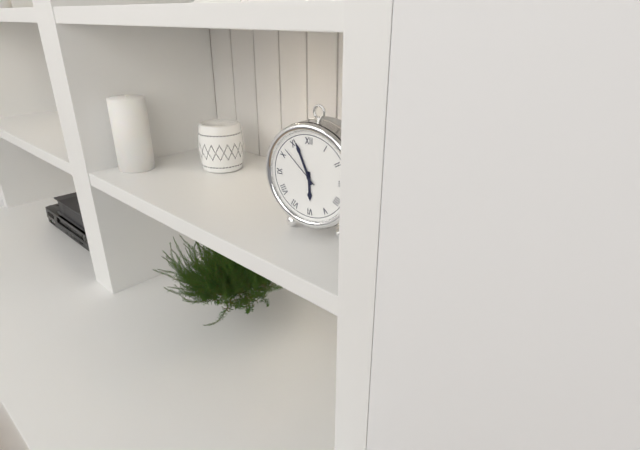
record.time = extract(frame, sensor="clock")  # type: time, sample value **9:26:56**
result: **5:56:52**
